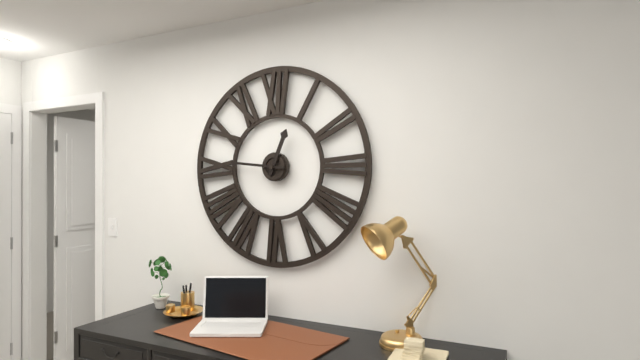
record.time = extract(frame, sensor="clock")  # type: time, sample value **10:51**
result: **12:46**
